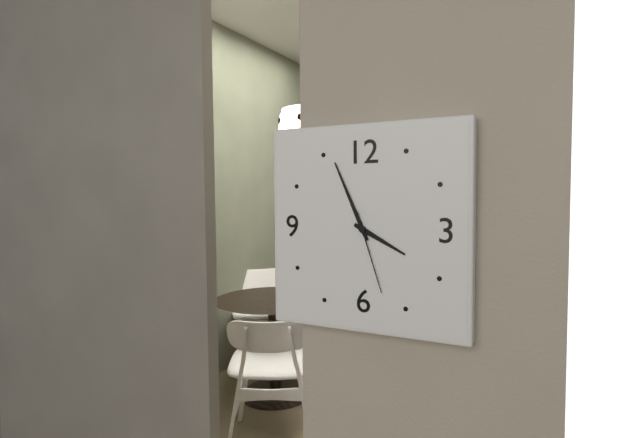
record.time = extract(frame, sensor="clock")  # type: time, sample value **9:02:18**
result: **3:56:27**
